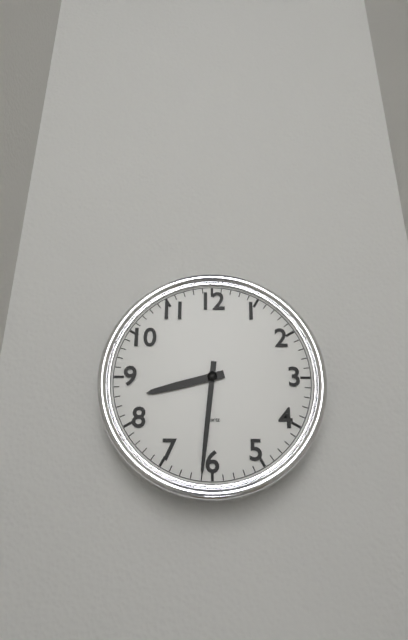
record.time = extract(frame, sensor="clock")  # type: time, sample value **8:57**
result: **8:31**
